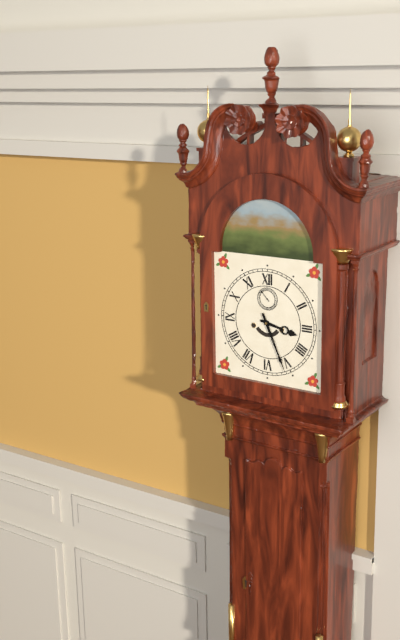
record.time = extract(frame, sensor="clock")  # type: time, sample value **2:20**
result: **3:26**
